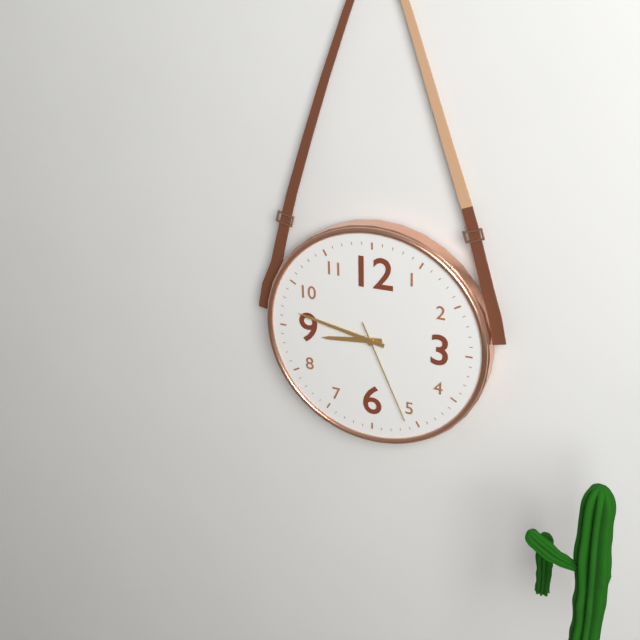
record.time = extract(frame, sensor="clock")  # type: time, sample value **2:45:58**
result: **8:47:26**
